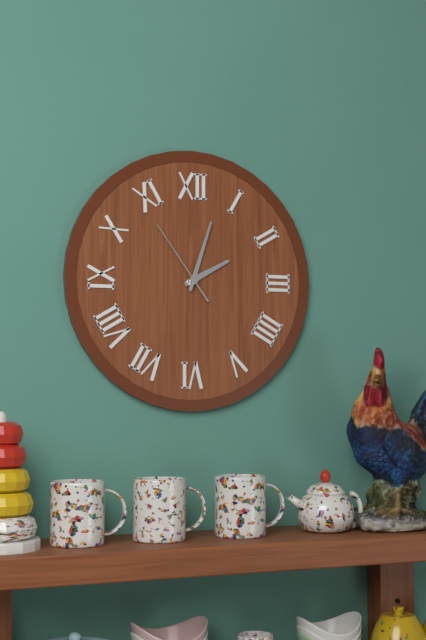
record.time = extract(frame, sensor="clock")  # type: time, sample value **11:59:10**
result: **2:03:54**
